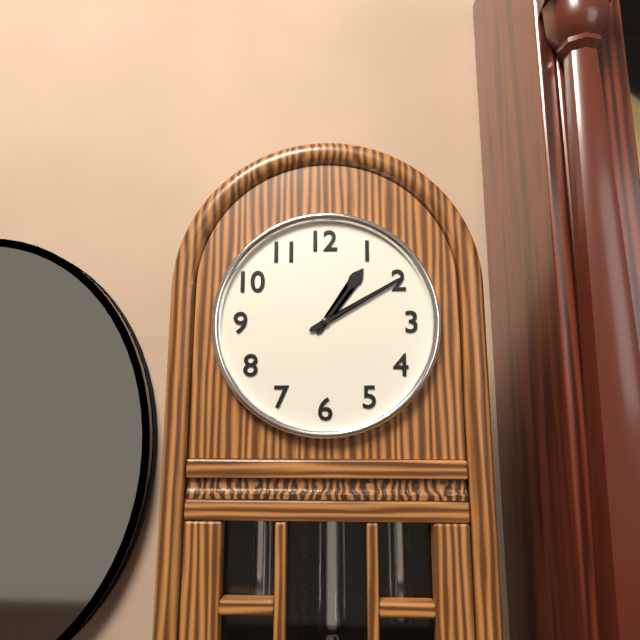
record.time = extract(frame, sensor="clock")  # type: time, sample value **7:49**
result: **1:10**
